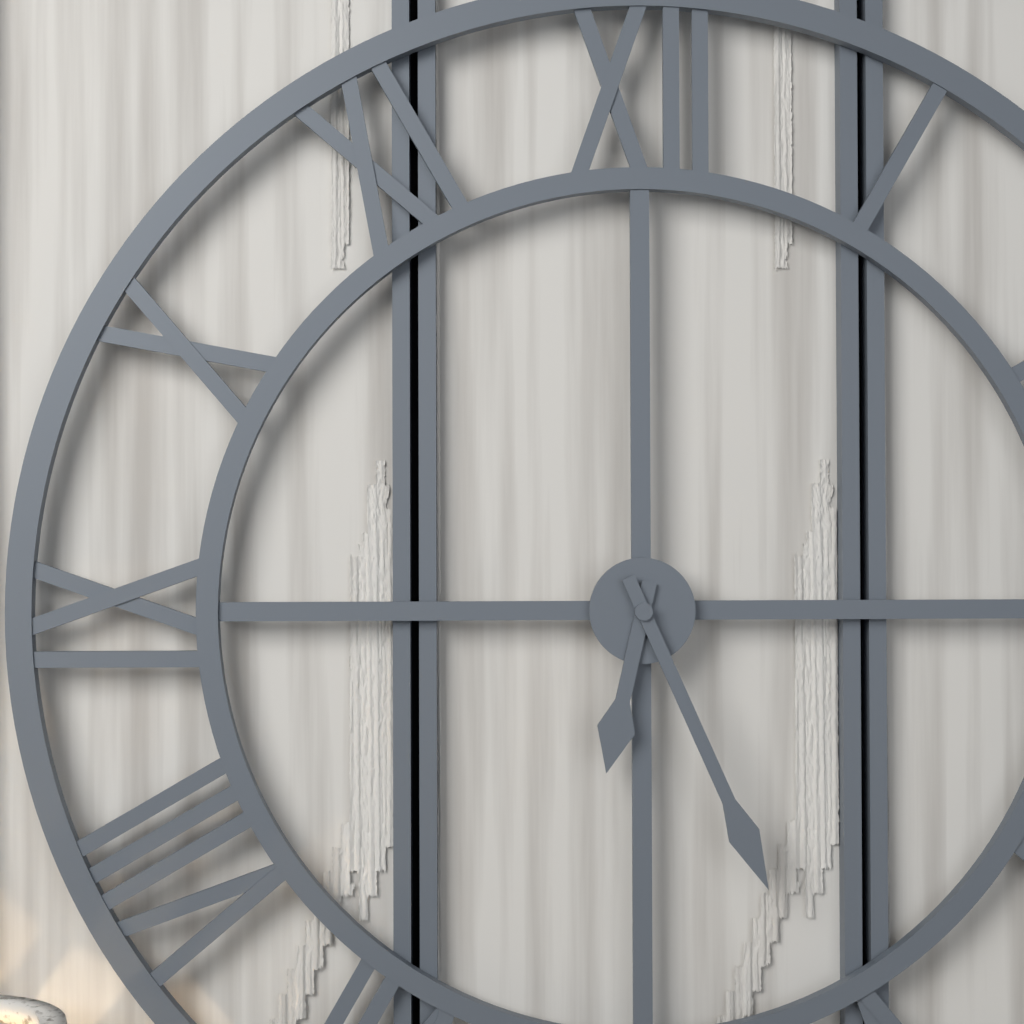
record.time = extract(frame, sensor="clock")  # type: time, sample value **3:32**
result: **6:26**
